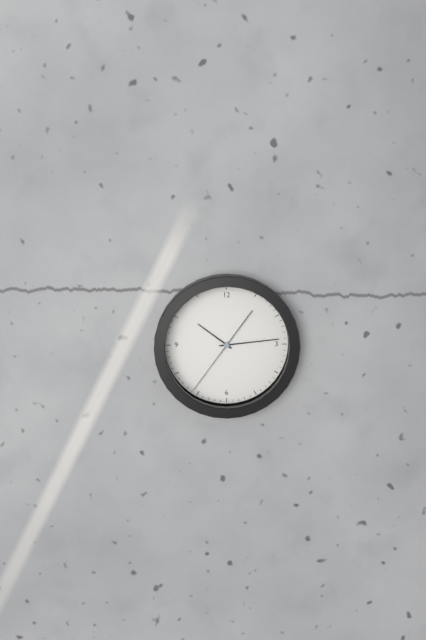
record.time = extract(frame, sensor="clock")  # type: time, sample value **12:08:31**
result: **10:14:36**
